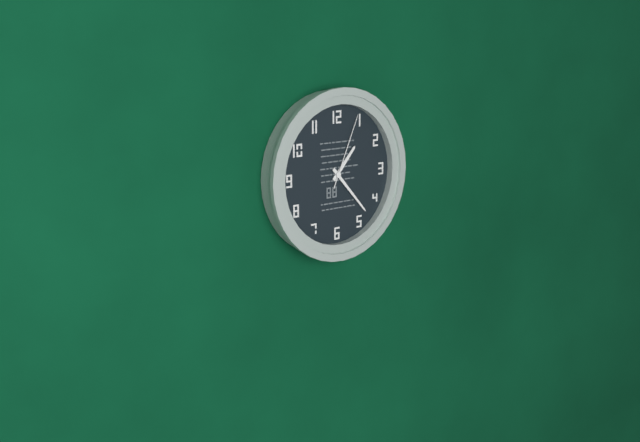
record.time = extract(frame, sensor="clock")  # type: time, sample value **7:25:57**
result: **1:23:04**
